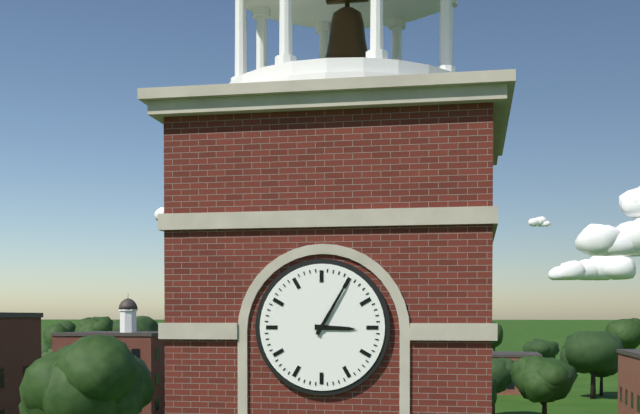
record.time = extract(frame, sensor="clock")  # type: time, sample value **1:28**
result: **3:05**
